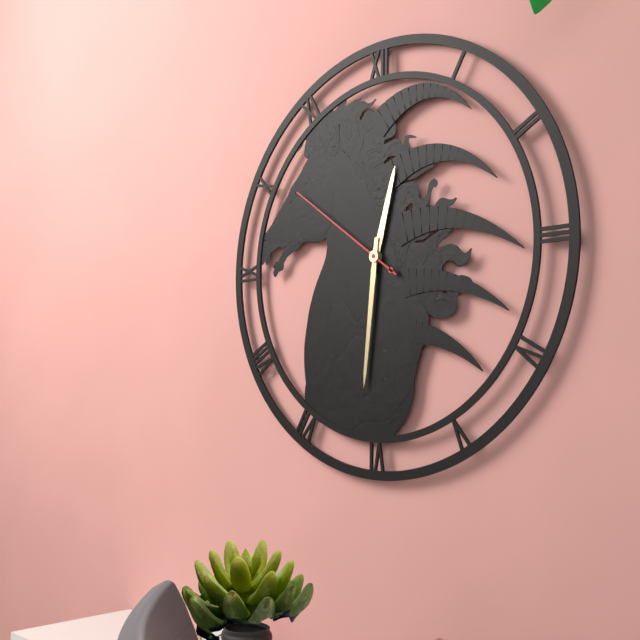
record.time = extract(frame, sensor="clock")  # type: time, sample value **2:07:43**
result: **12:31:51**
